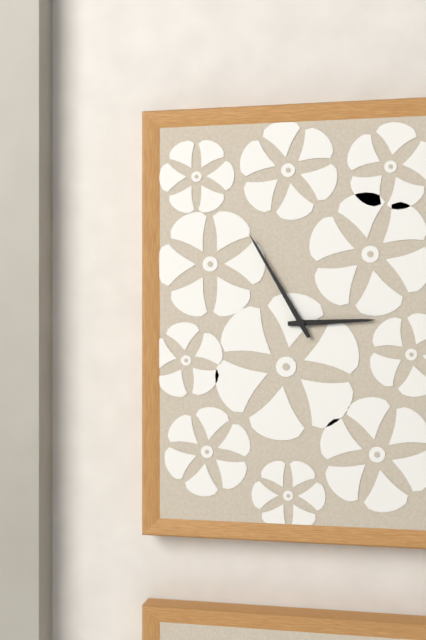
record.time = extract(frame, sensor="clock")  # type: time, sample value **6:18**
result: **2:55**
